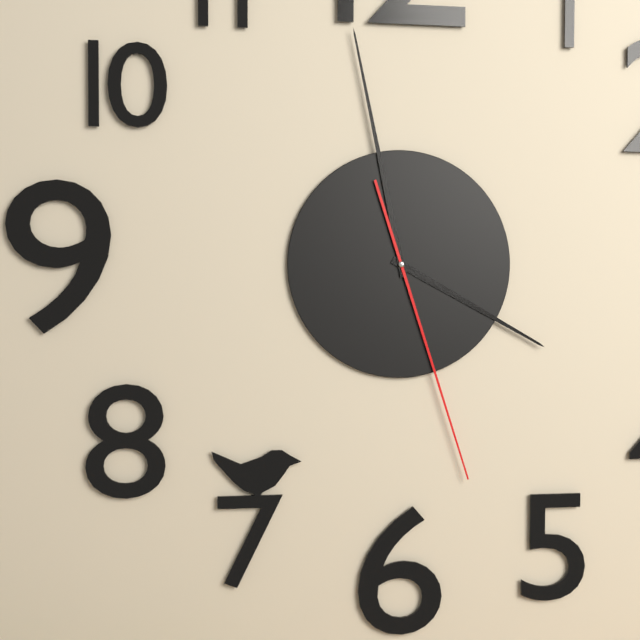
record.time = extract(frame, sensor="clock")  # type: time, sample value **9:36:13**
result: **3:58:27**
